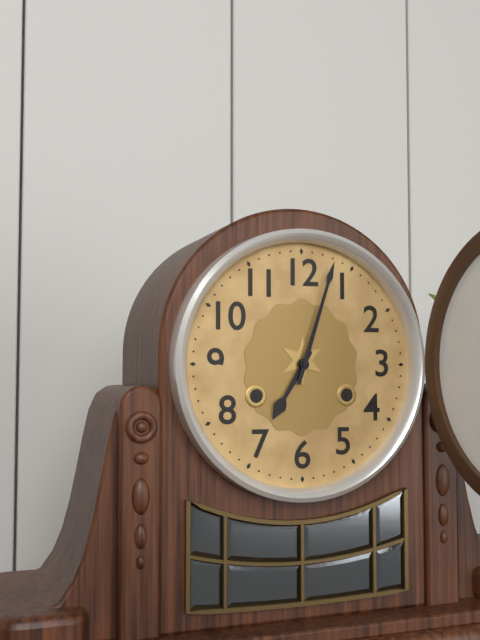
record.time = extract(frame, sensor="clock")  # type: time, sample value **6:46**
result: **7:03**
